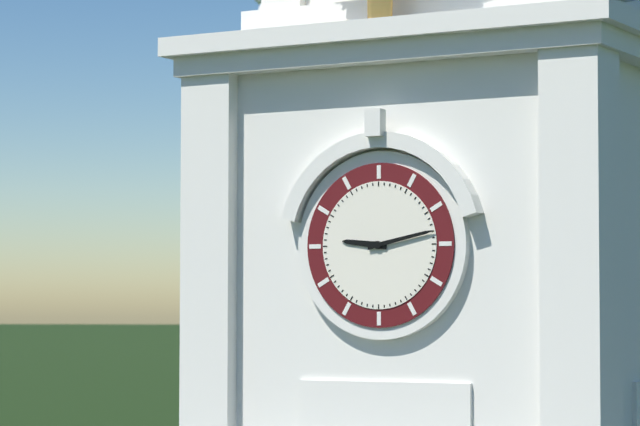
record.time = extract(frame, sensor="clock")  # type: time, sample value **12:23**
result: **9:13**
